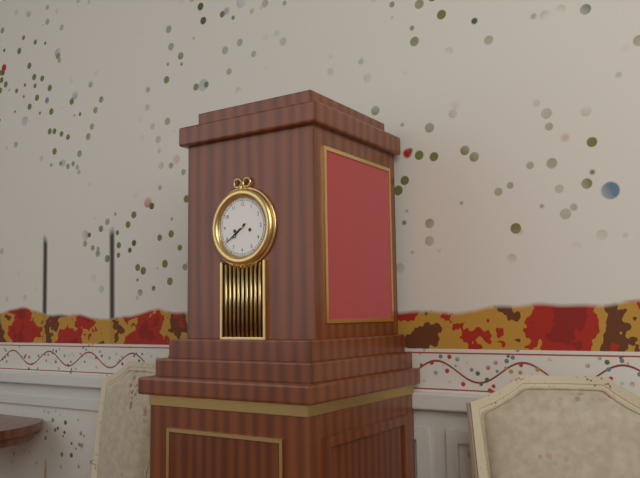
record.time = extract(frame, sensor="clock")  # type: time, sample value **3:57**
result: **7:39**
